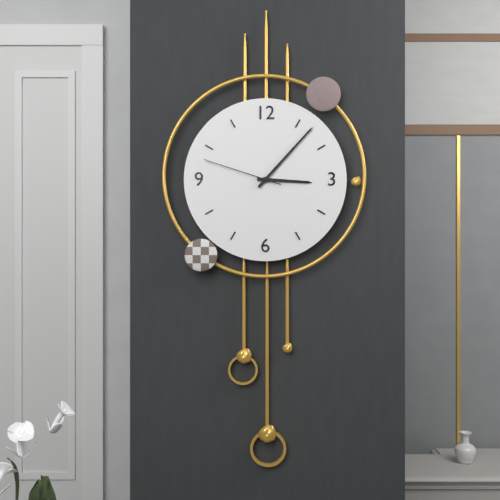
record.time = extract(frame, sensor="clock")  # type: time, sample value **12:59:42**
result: **3:07:48**
